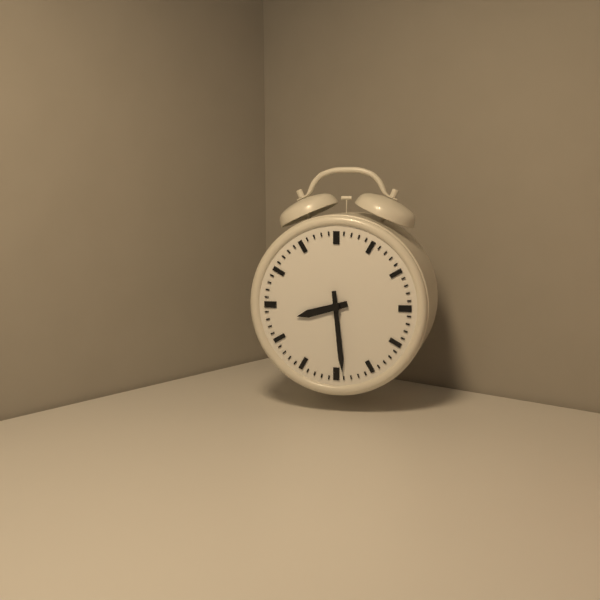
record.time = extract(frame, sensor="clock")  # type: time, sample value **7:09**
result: **8:29**
